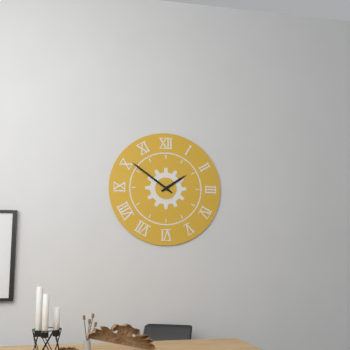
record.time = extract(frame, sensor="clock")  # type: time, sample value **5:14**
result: **1:51**
